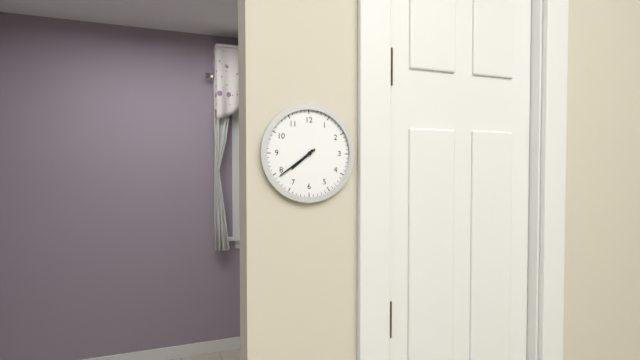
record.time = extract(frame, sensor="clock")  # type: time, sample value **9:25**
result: **7:39**
